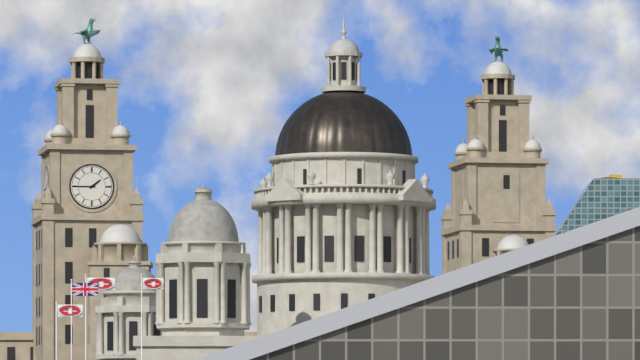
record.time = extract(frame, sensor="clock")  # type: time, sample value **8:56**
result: **1:45**
